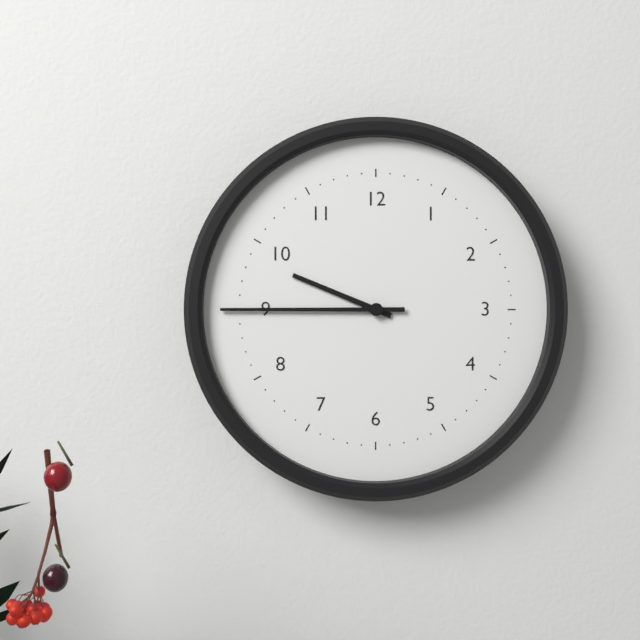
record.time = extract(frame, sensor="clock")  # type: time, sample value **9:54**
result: **9:45**
